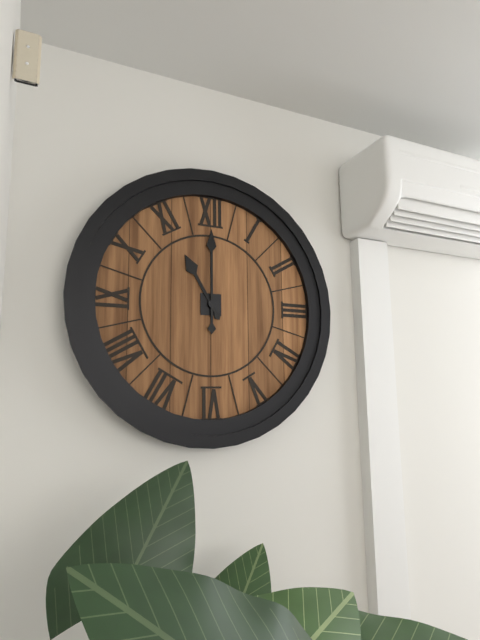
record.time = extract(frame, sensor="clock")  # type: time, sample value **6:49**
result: **11:00**
